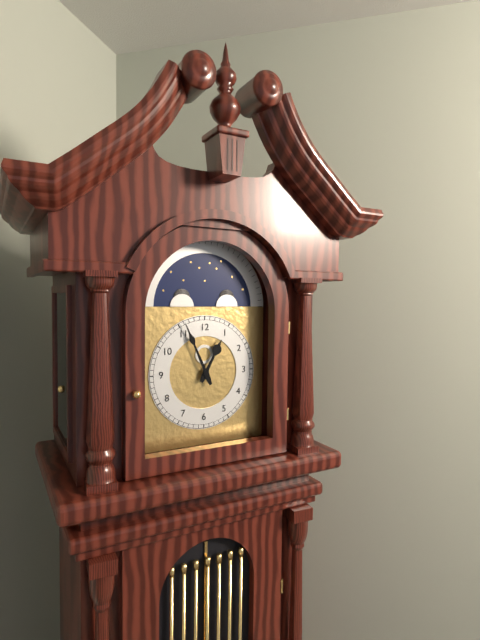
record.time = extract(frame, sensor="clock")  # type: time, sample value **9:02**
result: **12:56**
